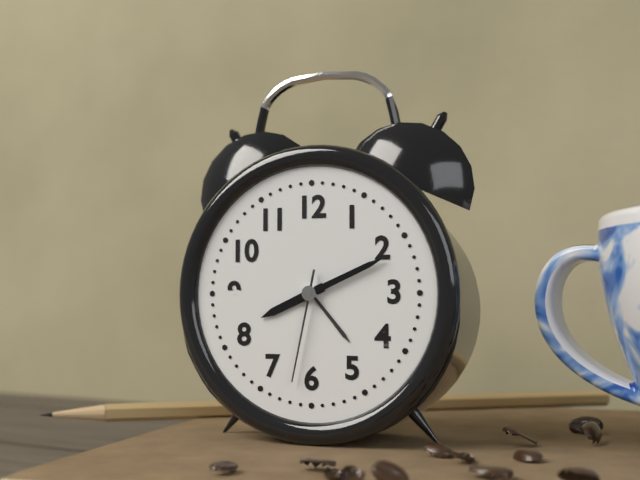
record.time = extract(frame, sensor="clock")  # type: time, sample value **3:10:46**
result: **8:11:32**
